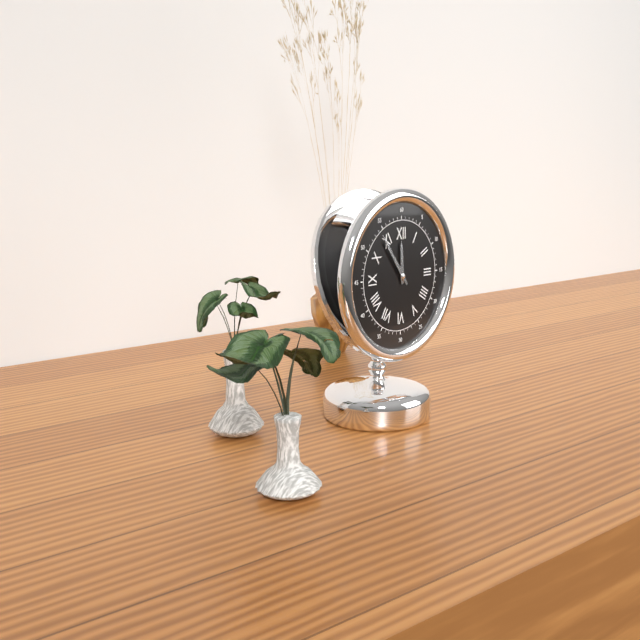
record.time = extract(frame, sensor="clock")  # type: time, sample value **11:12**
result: **11:54**
